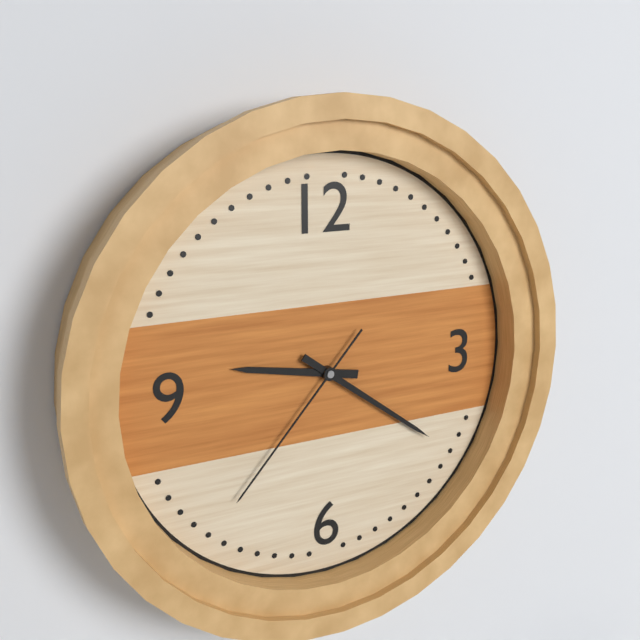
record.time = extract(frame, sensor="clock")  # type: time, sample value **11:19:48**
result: **9:21:37**
